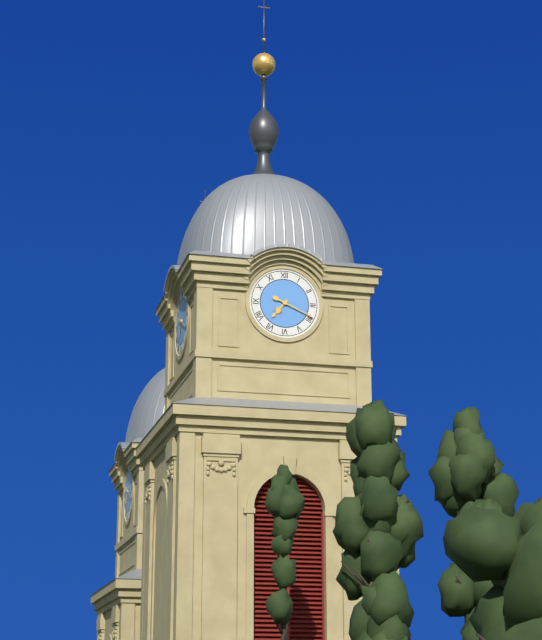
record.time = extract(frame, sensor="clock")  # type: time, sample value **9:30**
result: **7:19**
